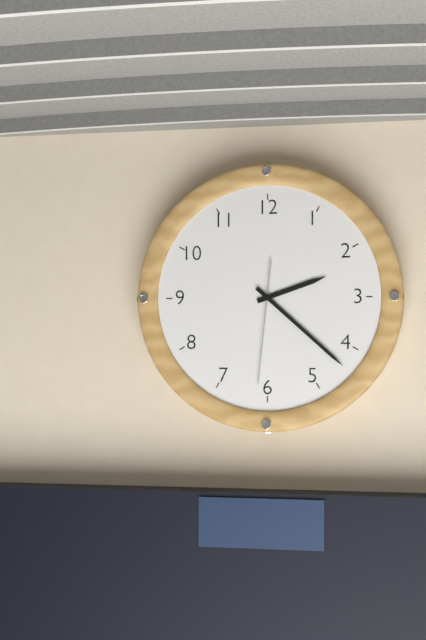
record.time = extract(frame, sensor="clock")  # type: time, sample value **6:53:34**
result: **2:22:31**
